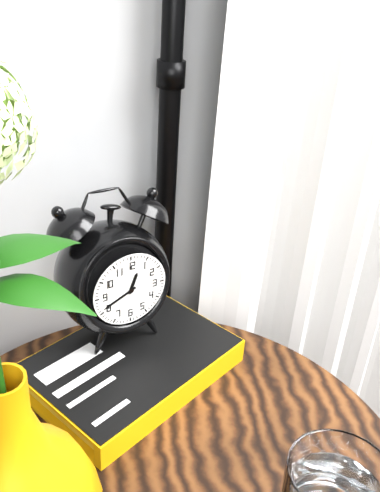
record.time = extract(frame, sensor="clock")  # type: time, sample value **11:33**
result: **12:41**
